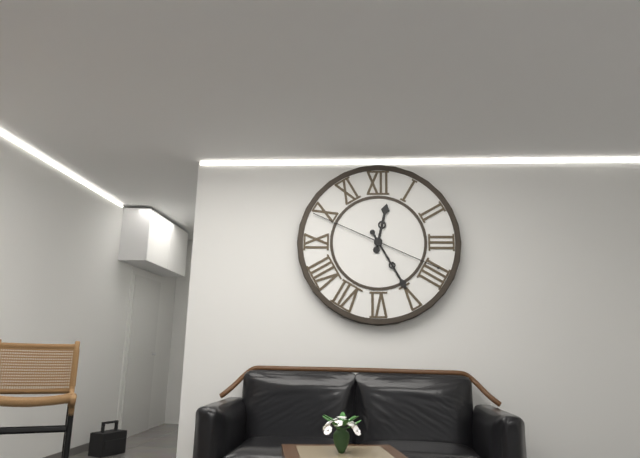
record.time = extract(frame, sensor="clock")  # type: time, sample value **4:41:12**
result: **12:25:49**
